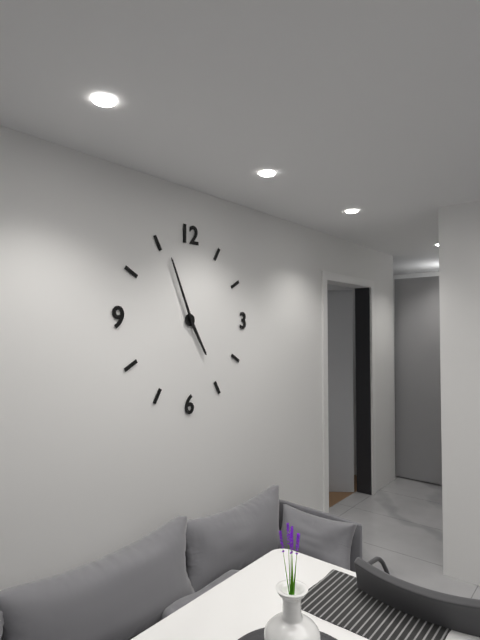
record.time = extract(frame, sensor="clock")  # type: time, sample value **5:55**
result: **4:56**
